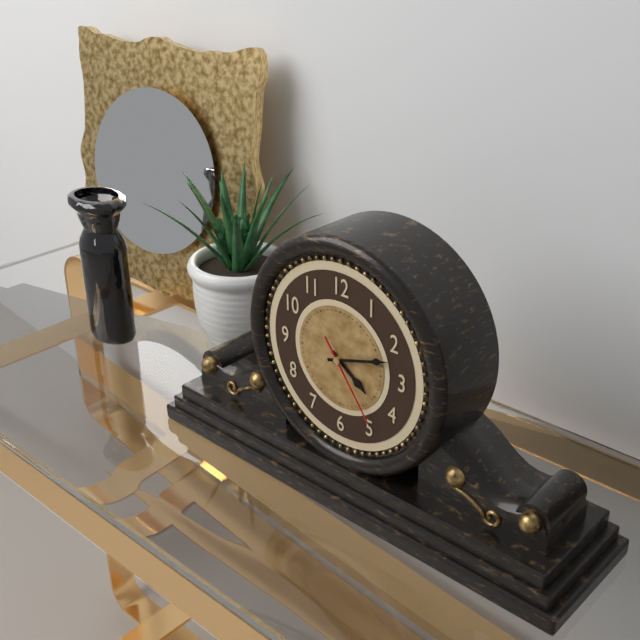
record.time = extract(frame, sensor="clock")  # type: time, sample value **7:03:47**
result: **4:12:24**
